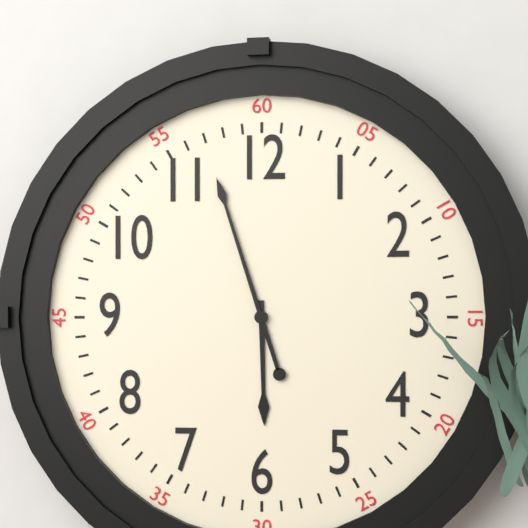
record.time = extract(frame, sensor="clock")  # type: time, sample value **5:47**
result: **5:57**
